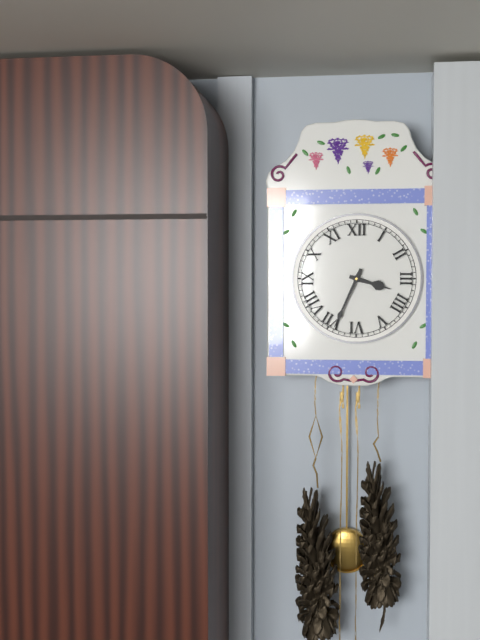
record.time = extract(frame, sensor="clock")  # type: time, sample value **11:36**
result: **3:34**
